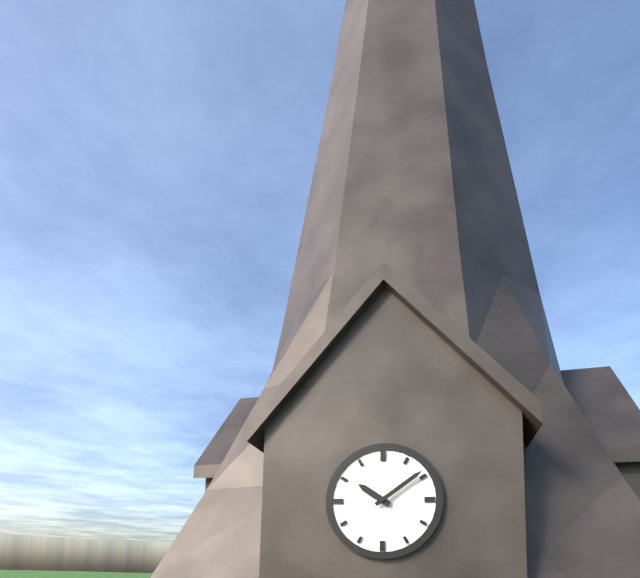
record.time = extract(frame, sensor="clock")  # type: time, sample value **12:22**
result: **10:09**
